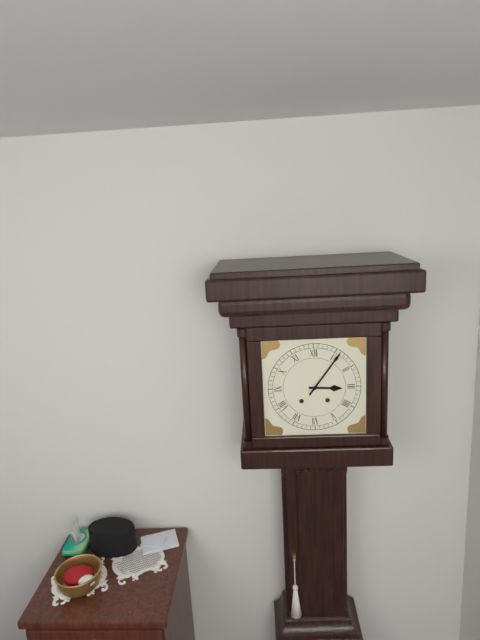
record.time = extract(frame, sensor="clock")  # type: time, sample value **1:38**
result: **3:06**
